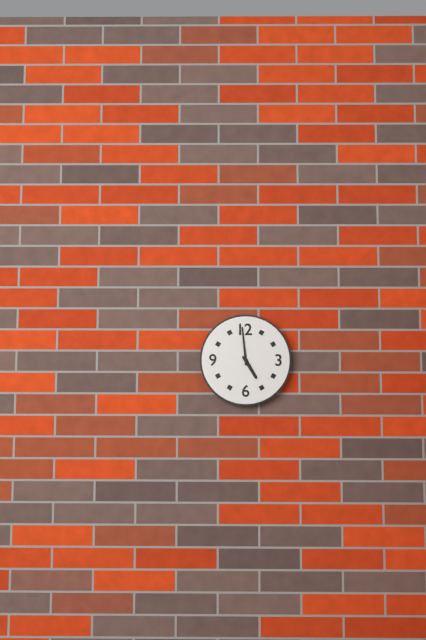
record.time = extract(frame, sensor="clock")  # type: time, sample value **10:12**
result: **4:59**
